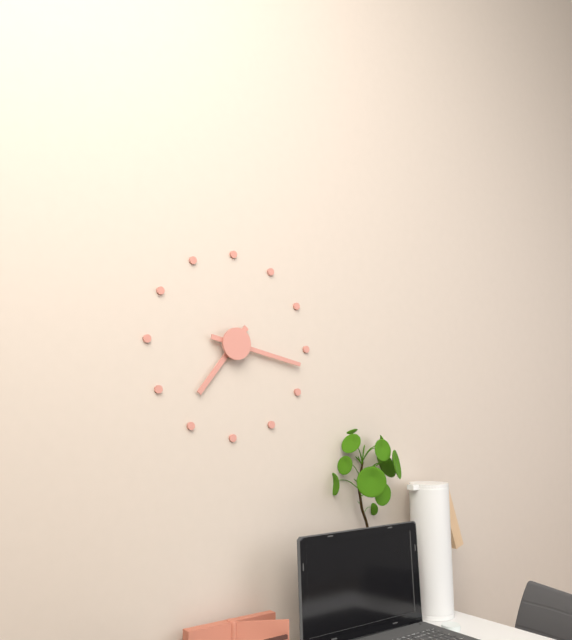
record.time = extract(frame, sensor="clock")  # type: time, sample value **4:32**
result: **7:17**
